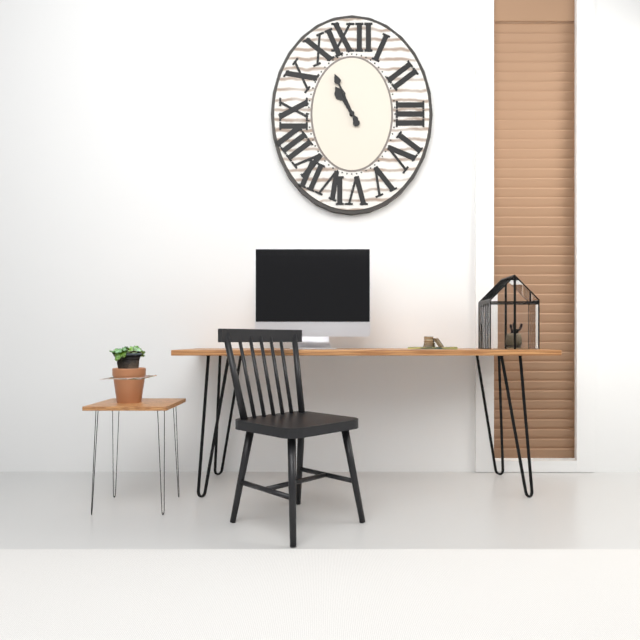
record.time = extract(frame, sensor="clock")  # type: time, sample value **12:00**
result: **10:56**
